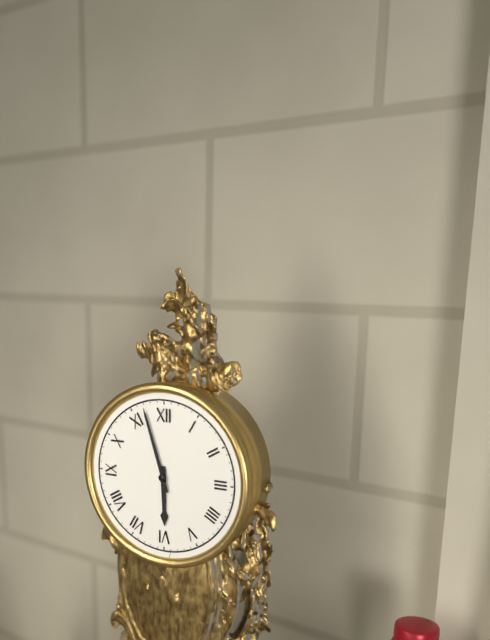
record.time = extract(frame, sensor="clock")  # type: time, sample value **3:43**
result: **5:57**
